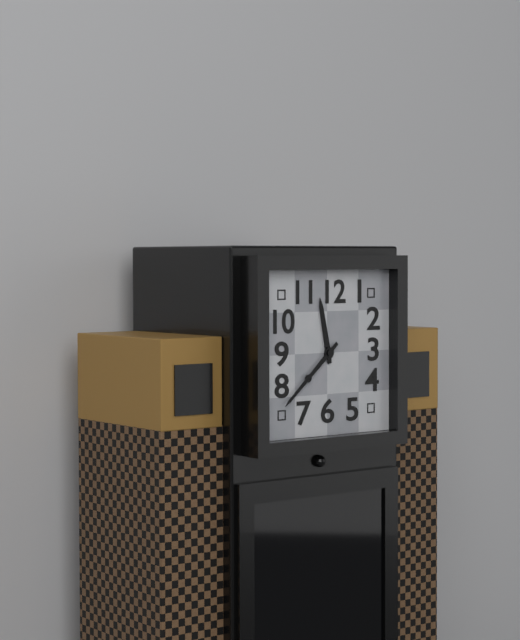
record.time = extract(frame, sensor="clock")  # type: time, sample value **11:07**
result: **11:38**
